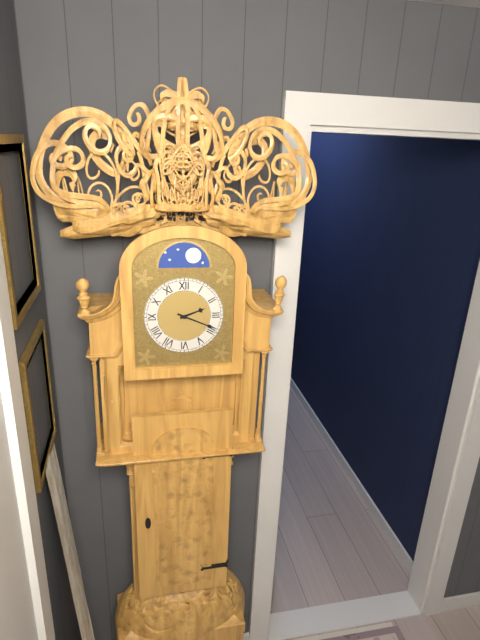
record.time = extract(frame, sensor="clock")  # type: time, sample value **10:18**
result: **2:19**
